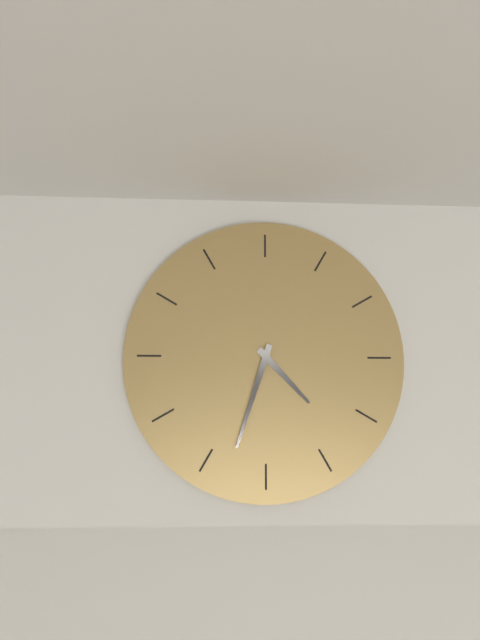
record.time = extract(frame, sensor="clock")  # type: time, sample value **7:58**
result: **4:33**
